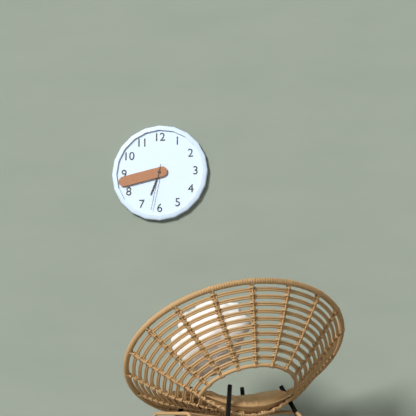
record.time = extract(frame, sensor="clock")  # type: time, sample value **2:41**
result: **6:43**
